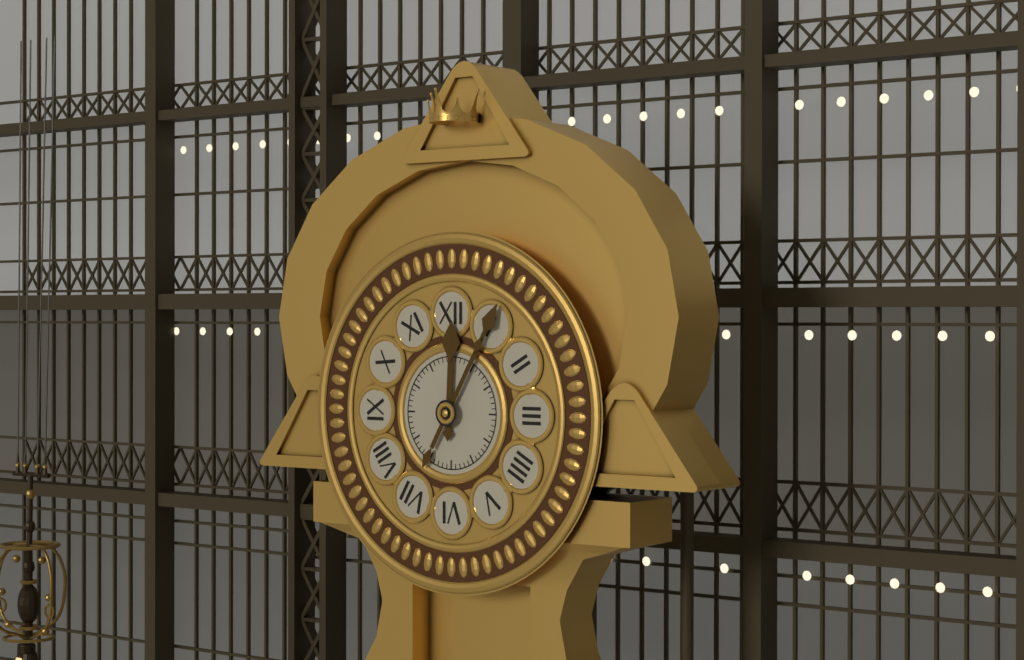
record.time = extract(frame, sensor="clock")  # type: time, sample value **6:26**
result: **12:05**
